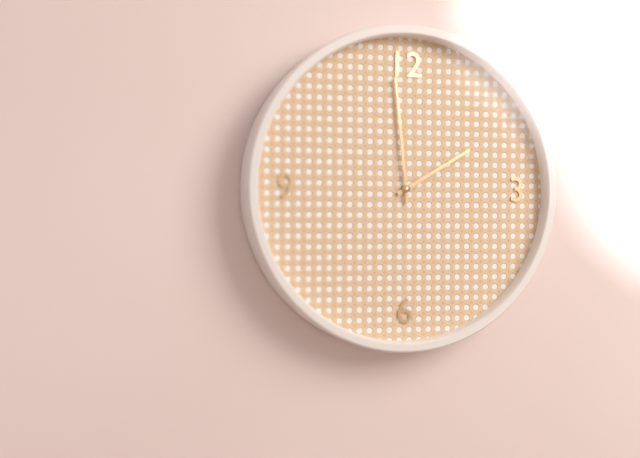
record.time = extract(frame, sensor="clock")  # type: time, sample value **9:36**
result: **1:59**
